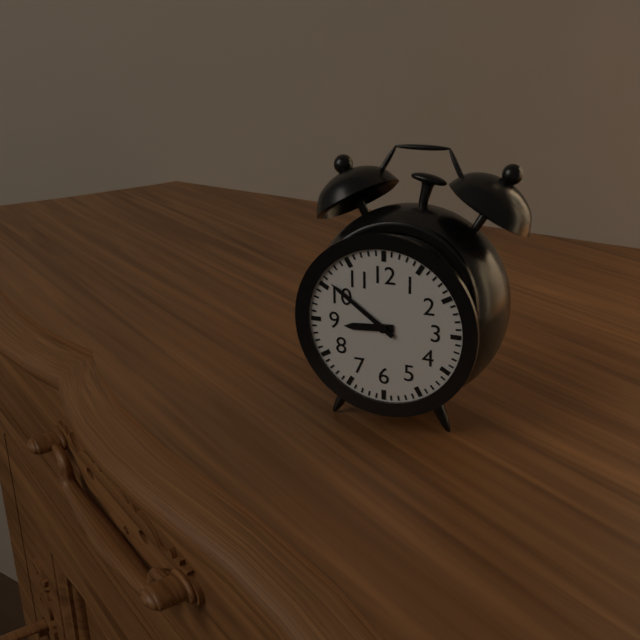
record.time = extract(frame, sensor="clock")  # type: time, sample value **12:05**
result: **8:51**
